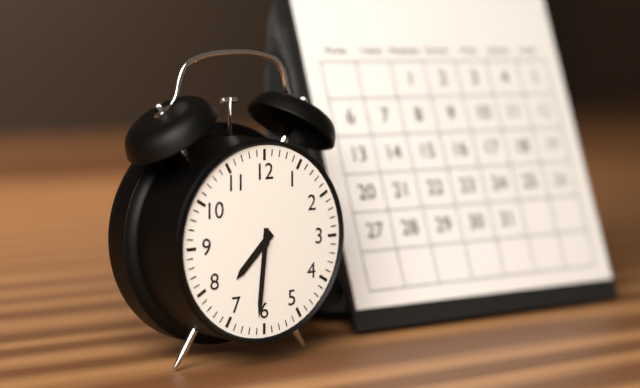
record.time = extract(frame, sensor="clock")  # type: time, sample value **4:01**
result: **7:31**
